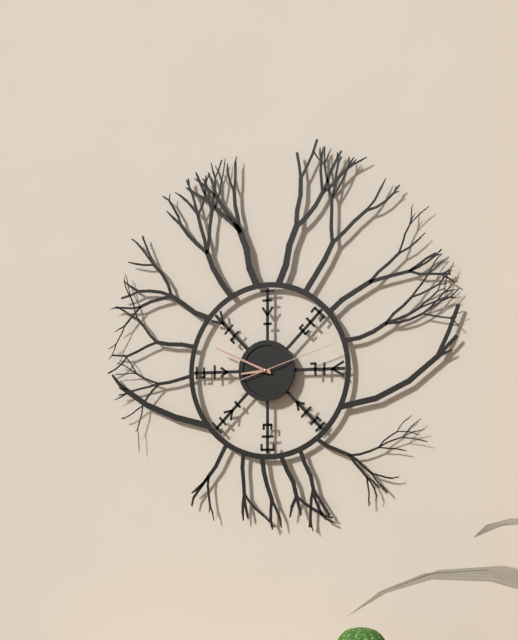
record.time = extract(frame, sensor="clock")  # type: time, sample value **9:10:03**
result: **8:49:12**
